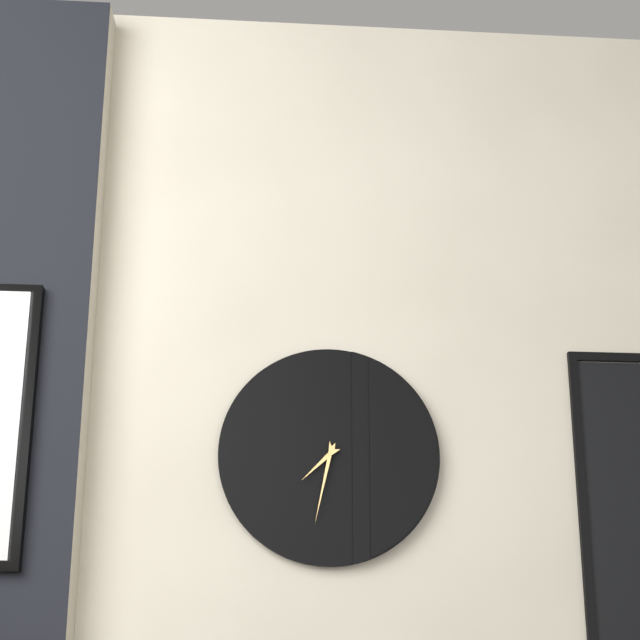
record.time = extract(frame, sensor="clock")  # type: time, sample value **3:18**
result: **7:32**
